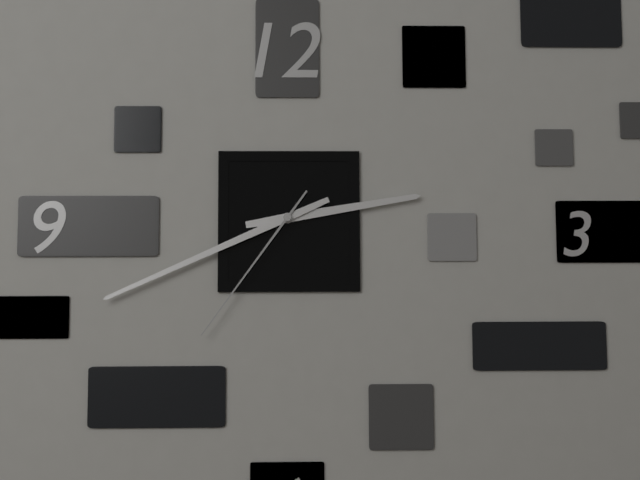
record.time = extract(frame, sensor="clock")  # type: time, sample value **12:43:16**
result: **2:41:36**
